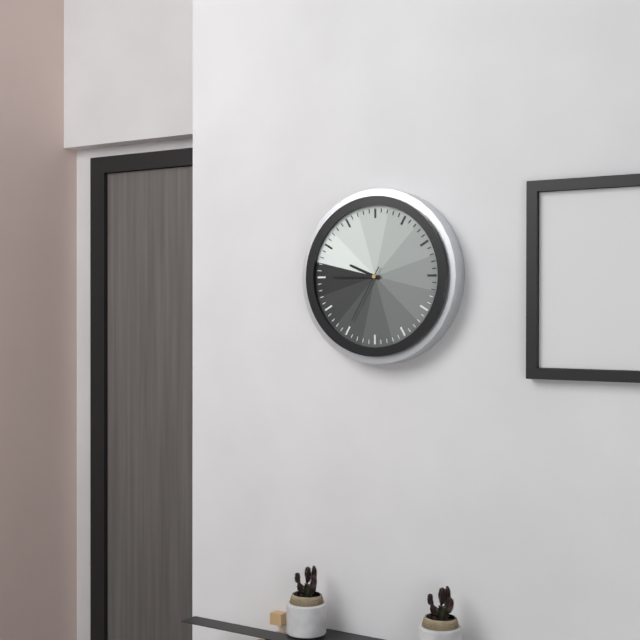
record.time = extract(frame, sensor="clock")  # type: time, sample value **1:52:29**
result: **9:45:35**
